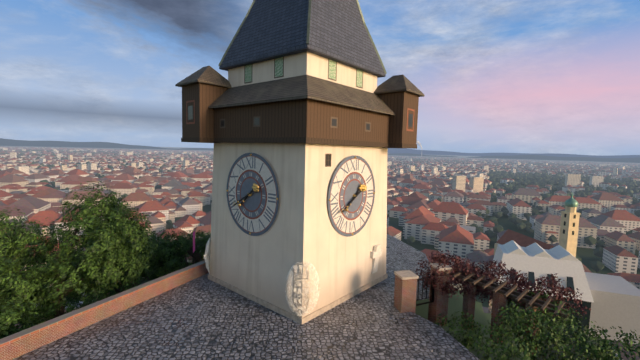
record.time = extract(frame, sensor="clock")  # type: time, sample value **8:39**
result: **7:40**
